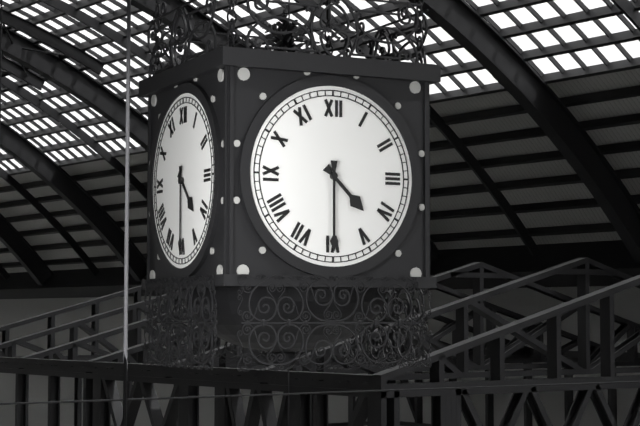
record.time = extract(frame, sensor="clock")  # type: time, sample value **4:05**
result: **4:30**
